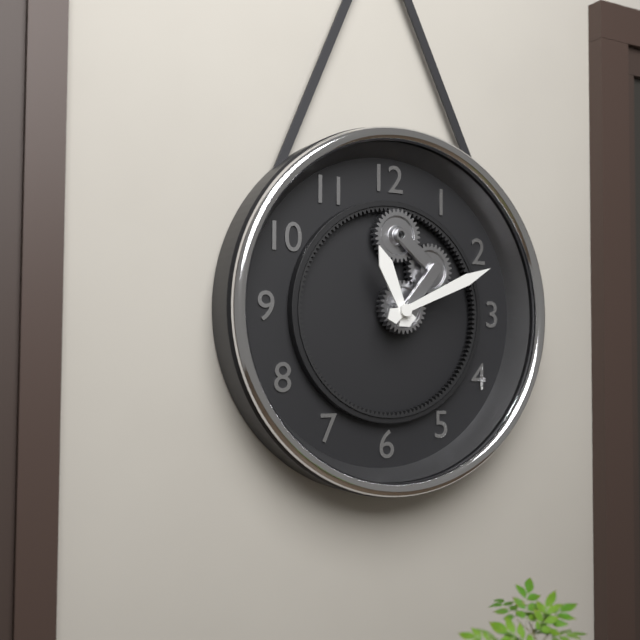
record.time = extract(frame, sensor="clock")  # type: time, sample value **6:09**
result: **11:11**
